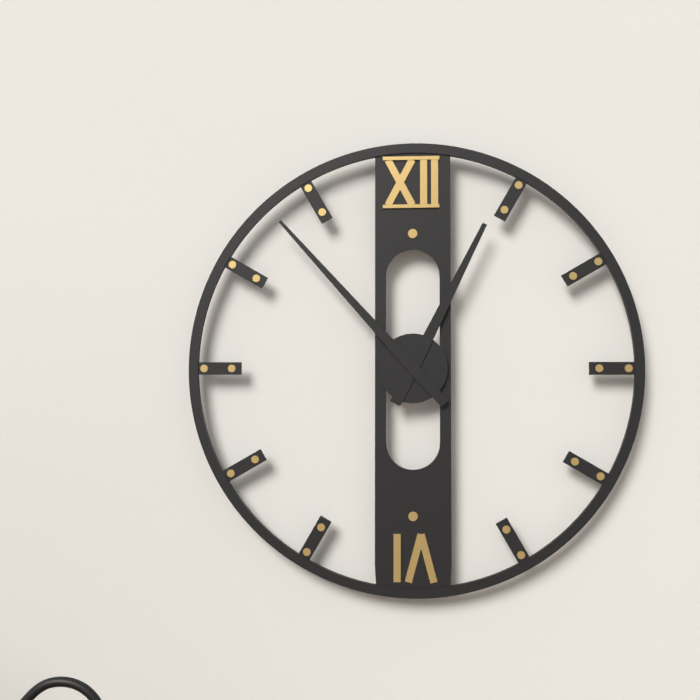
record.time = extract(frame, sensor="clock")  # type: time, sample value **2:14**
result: **12:53**
